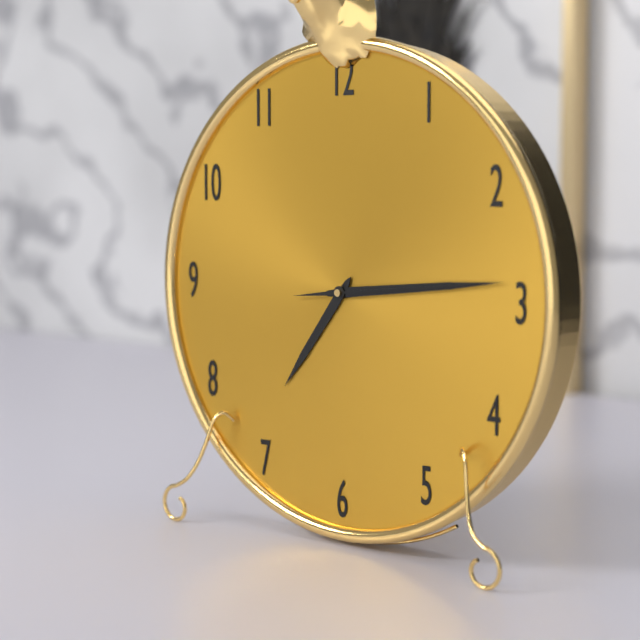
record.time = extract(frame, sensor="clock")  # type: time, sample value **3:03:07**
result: **7:14:14**
